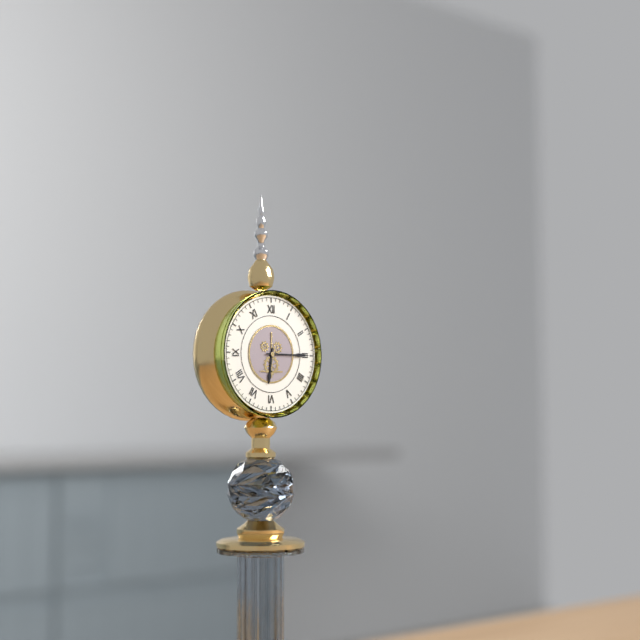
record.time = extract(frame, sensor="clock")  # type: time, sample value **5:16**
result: **6:15**
